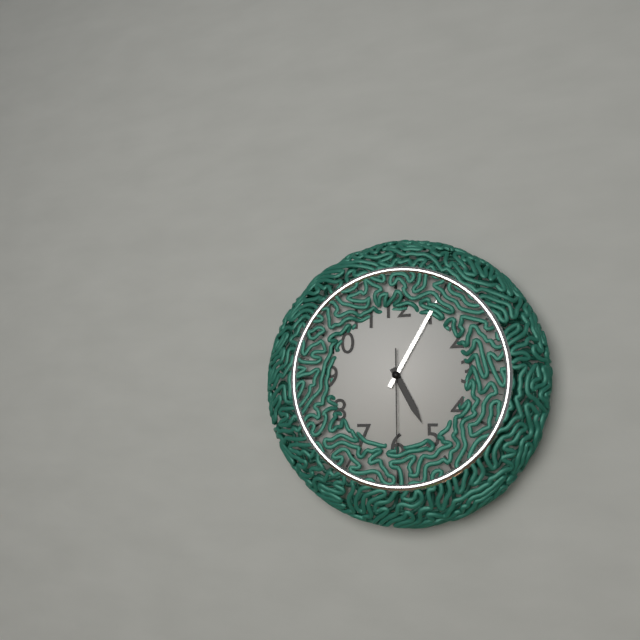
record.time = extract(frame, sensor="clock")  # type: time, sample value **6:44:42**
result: **5:05:30**
